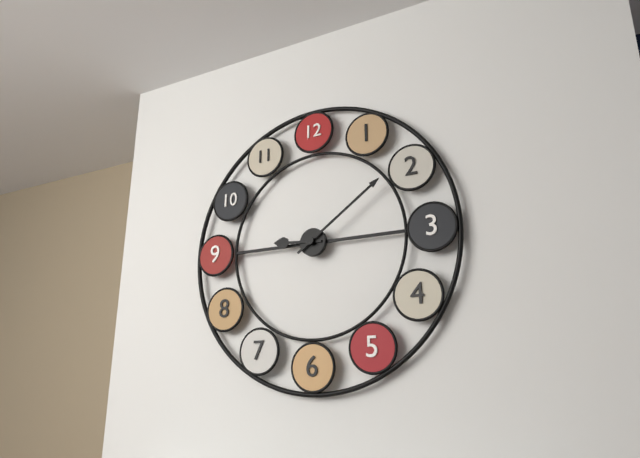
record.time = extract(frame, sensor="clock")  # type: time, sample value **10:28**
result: **9:09**
